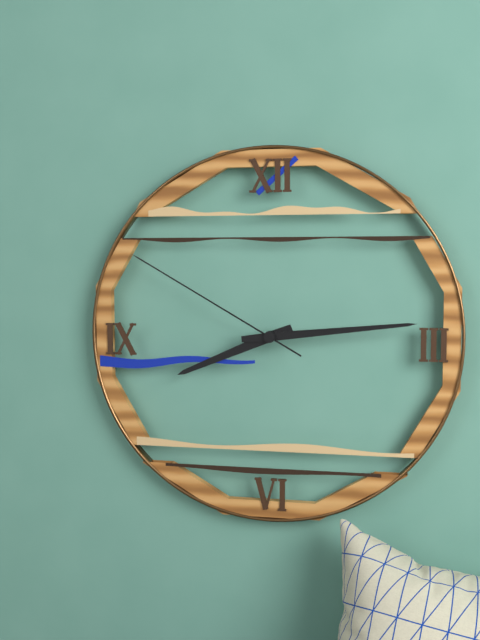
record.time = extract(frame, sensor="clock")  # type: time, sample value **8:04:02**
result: **8:14:50**
